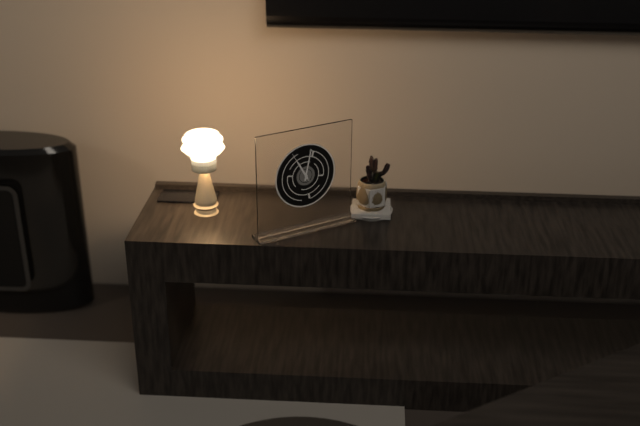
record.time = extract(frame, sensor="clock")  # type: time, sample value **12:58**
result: **11:02**
